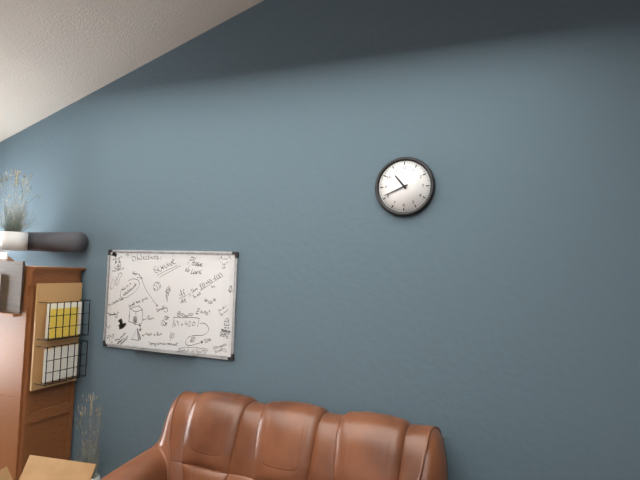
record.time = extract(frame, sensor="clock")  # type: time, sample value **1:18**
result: **10:41**
